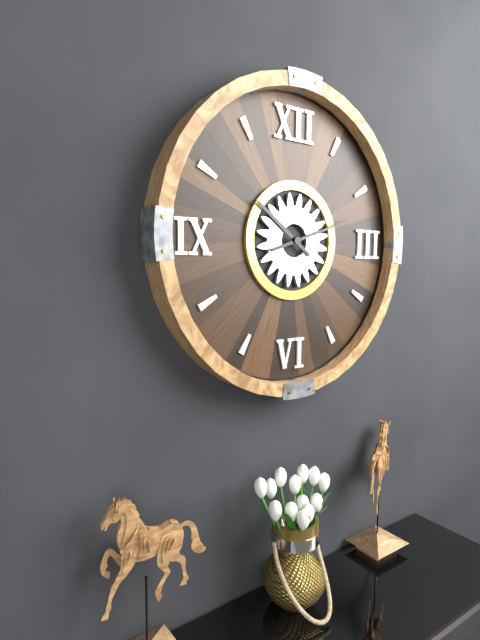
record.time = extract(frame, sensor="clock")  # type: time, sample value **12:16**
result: **10:12**
